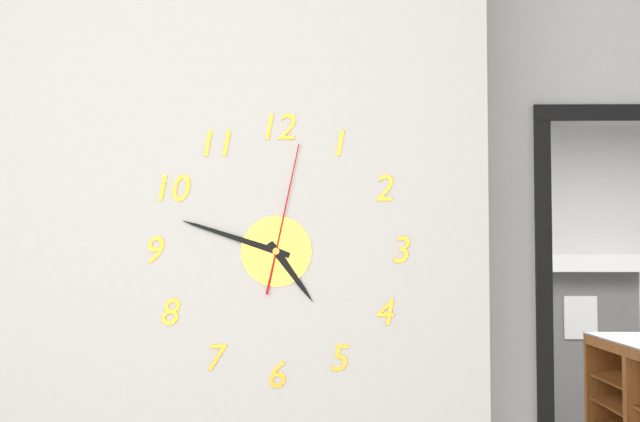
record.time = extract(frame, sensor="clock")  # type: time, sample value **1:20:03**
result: **4:48:02**
